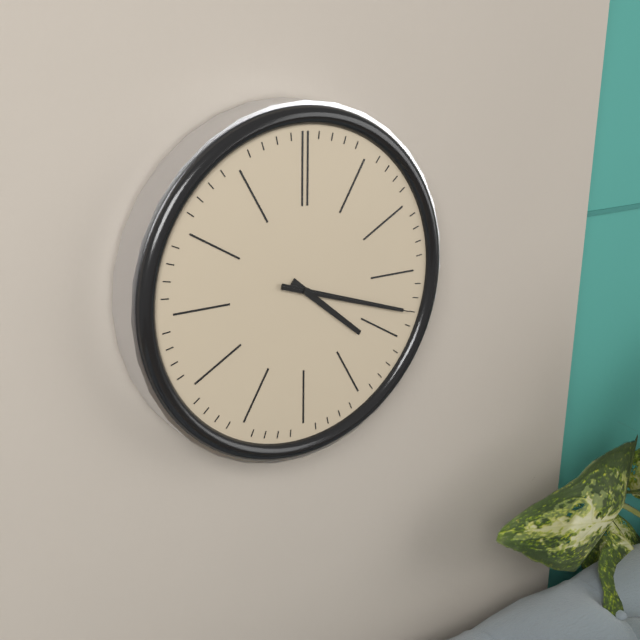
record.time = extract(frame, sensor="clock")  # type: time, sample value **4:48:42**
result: **4:18:18**
